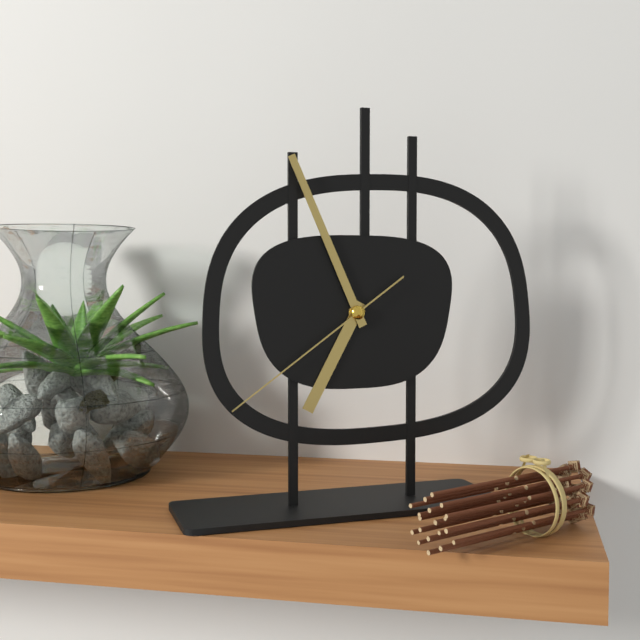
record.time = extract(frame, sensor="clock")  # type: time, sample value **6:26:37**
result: **6:56:39**
